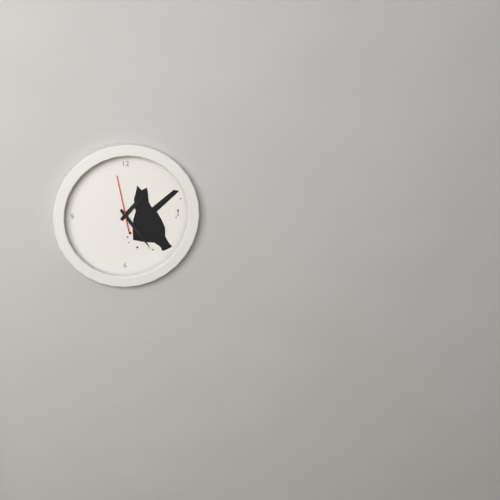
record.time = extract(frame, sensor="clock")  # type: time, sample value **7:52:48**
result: **1:24:58**
